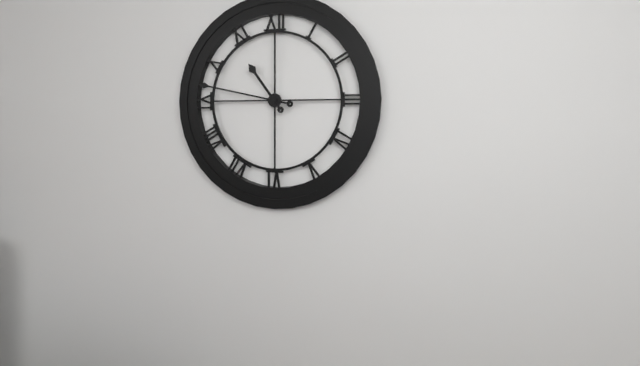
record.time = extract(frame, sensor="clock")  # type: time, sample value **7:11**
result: **10:47**
